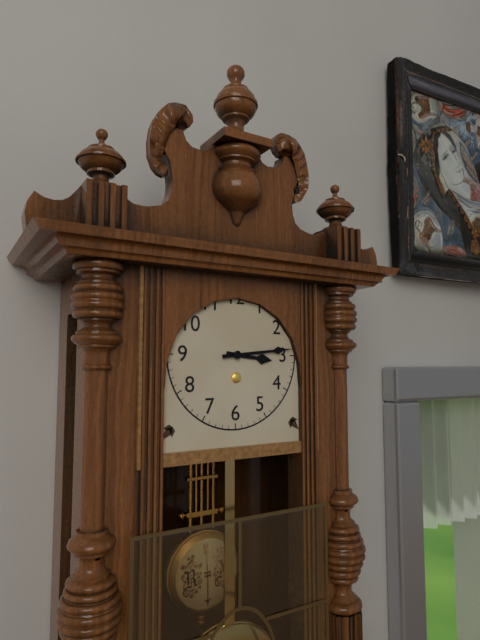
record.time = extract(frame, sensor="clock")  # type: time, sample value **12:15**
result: **3:14**
